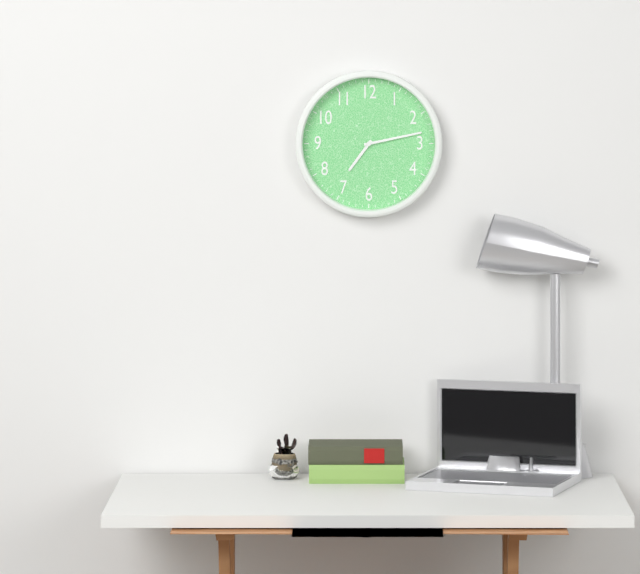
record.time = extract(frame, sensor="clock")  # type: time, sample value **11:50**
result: **7:13**
